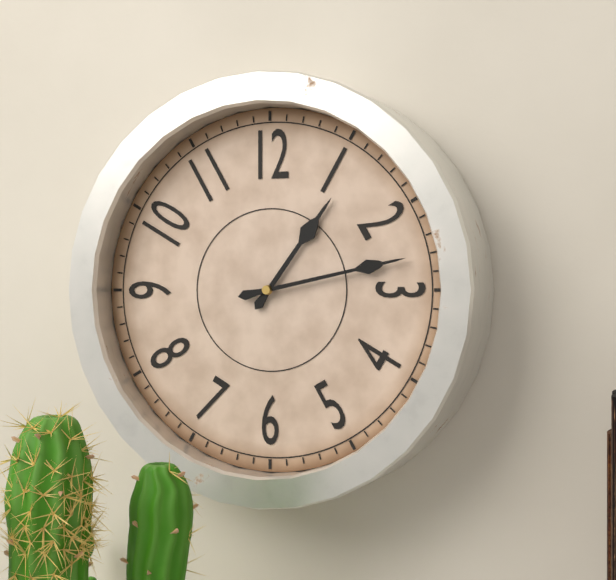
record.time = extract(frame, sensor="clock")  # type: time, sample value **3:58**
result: **1:13**
